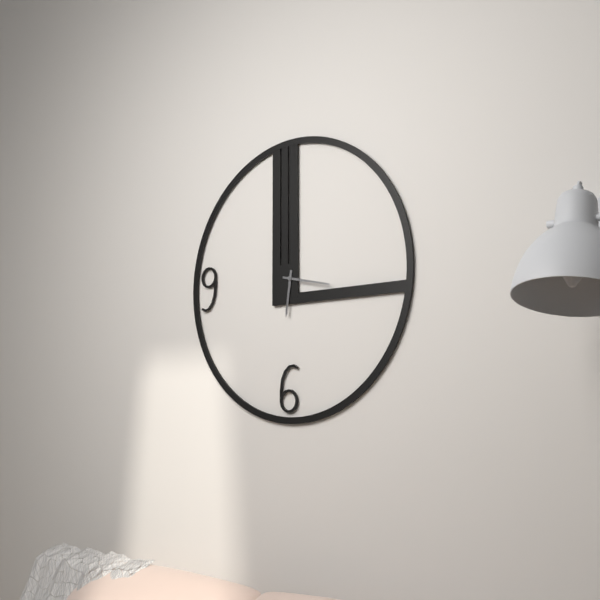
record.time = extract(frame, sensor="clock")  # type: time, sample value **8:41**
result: **6:17**
